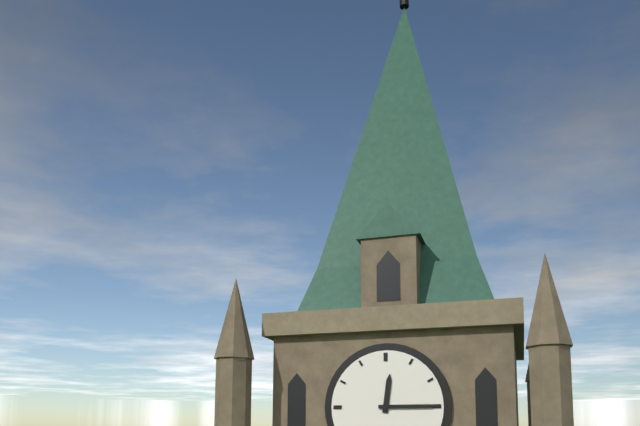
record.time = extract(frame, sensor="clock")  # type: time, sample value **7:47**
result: **12:15**
